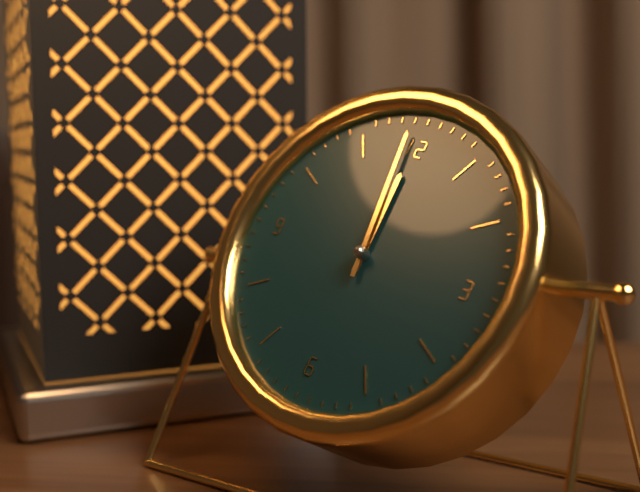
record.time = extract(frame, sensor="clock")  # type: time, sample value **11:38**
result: **11:59**
